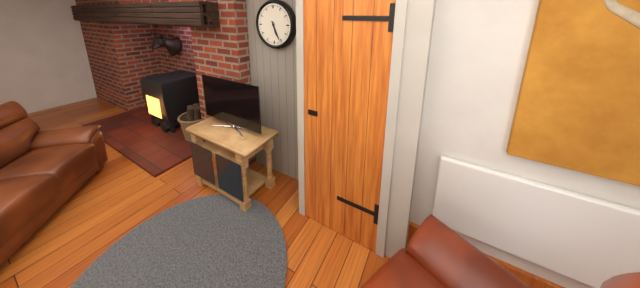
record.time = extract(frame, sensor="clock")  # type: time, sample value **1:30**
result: **5:26**
